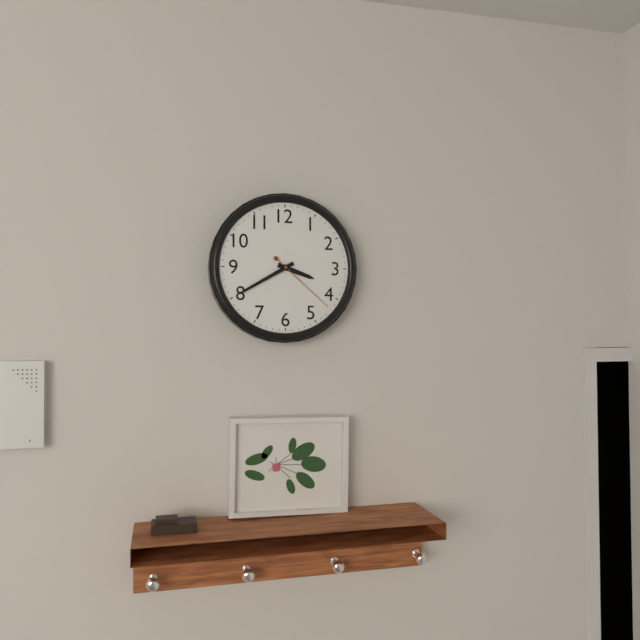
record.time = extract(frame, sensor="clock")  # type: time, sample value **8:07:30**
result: **3:40:22**
